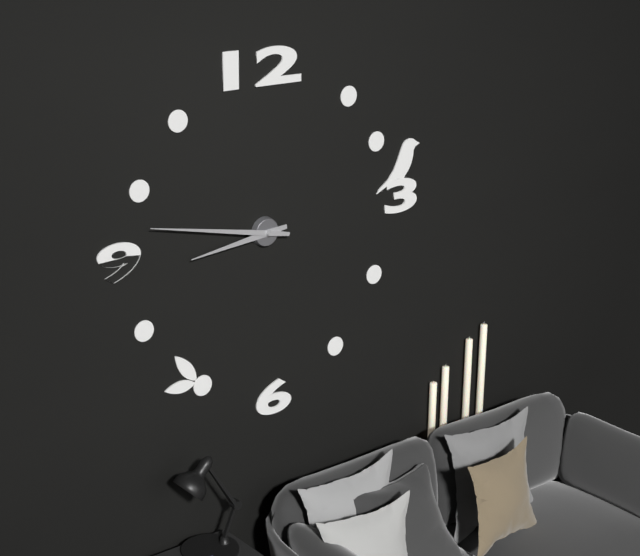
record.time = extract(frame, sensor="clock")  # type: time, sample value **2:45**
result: **8:47**
